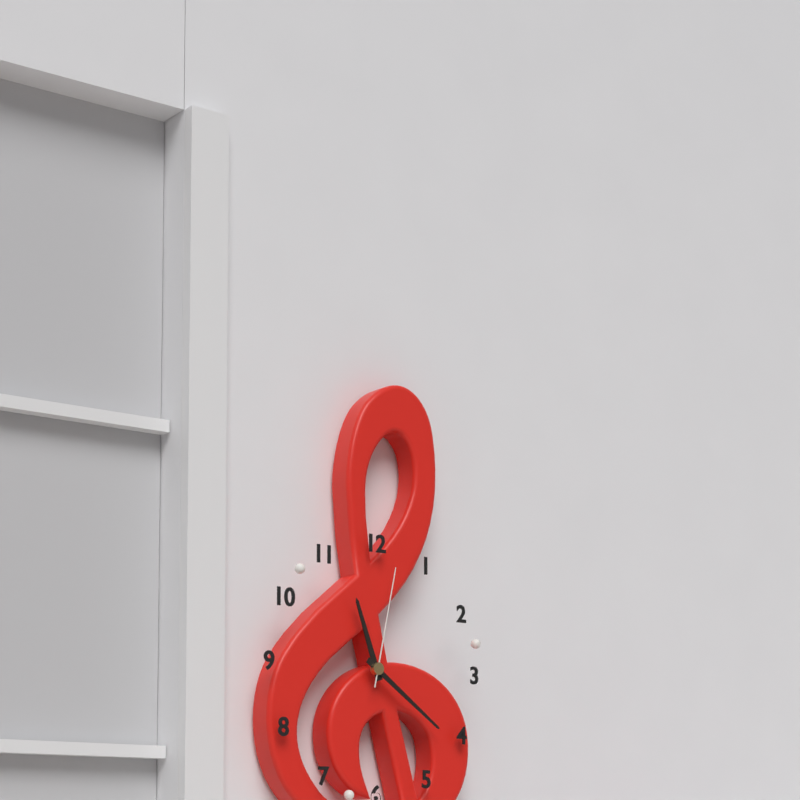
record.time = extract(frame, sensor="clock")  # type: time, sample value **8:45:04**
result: **11:21:02**
